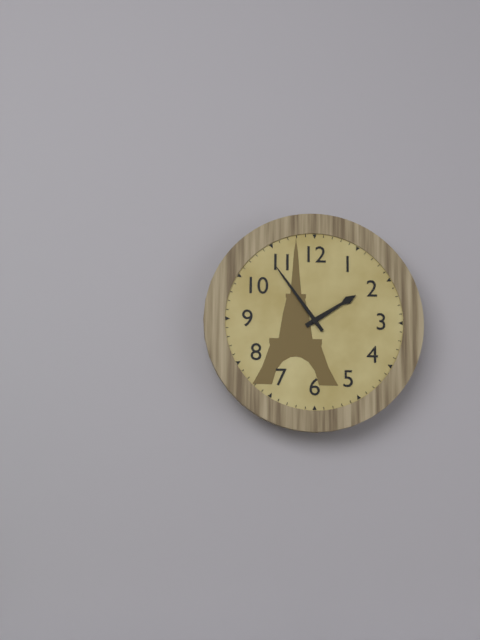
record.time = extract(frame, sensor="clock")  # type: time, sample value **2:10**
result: **1:54**
